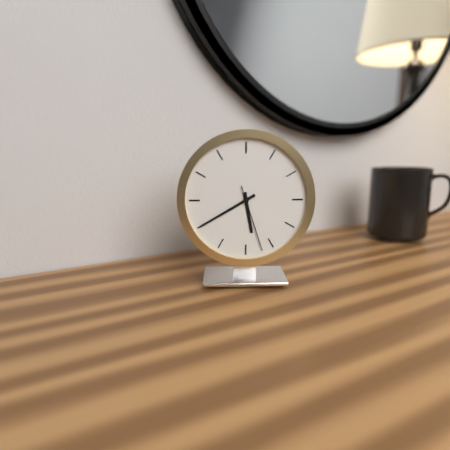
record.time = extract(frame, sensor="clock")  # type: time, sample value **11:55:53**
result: **5:40:27**
